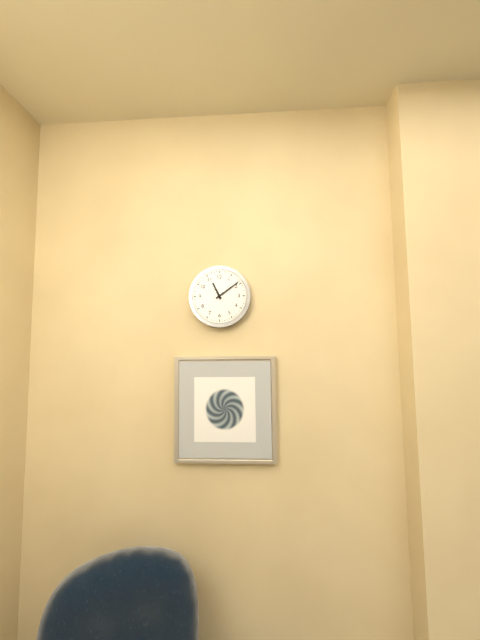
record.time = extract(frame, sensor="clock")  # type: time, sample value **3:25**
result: **11:09**
